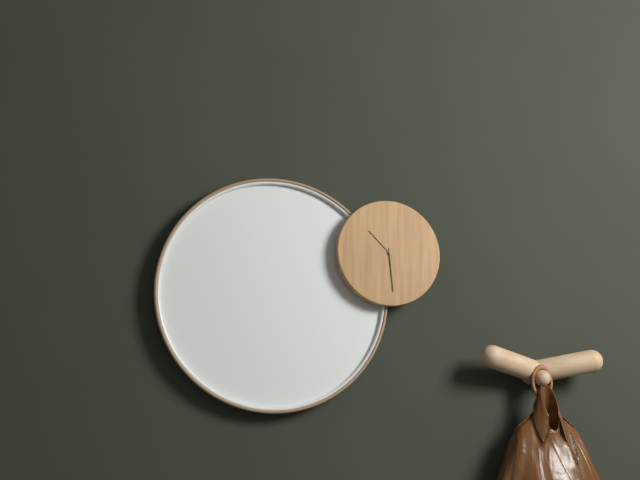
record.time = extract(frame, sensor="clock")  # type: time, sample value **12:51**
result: **10:29**
